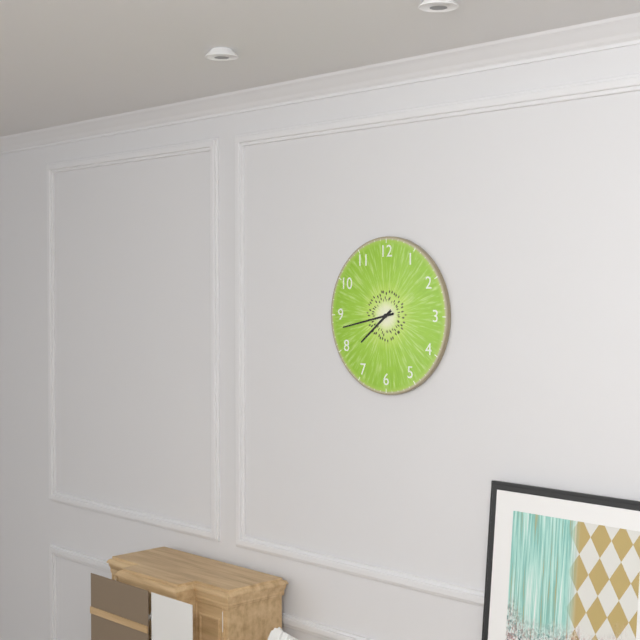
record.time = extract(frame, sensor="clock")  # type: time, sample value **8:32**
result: **7:43**
